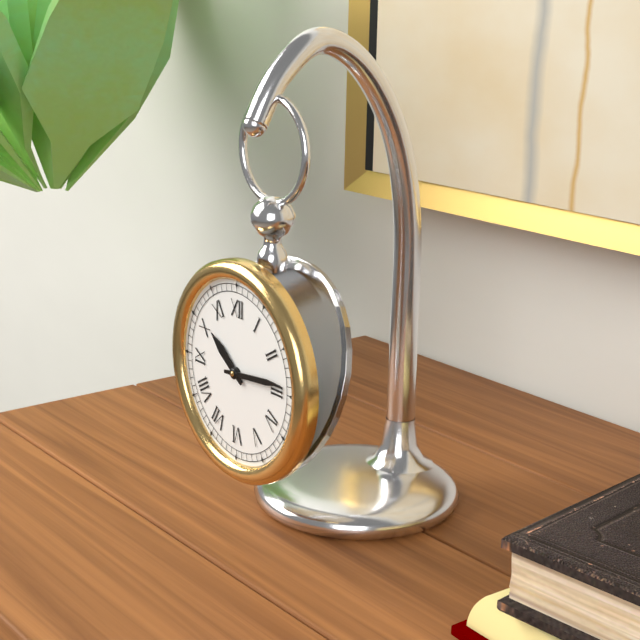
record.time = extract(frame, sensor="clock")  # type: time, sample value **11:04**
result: **10:14**
